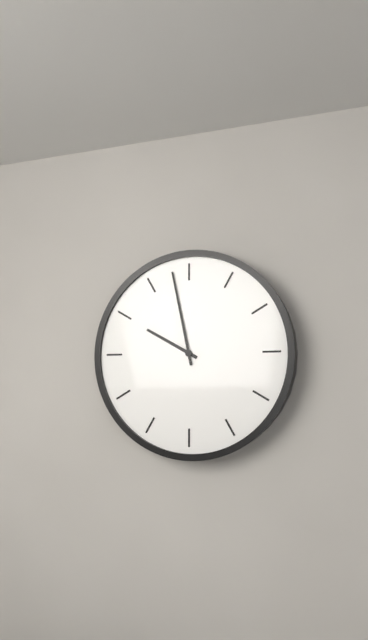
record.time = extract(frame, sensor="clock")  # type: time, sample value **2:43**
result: **9:58**
